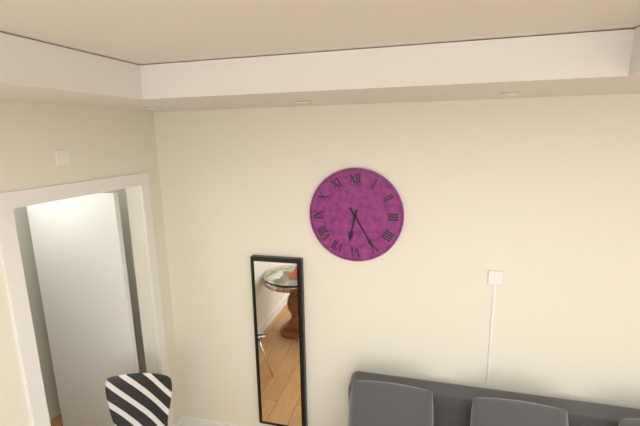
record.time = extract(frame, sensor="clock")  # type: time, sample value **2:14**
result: **6:25**
